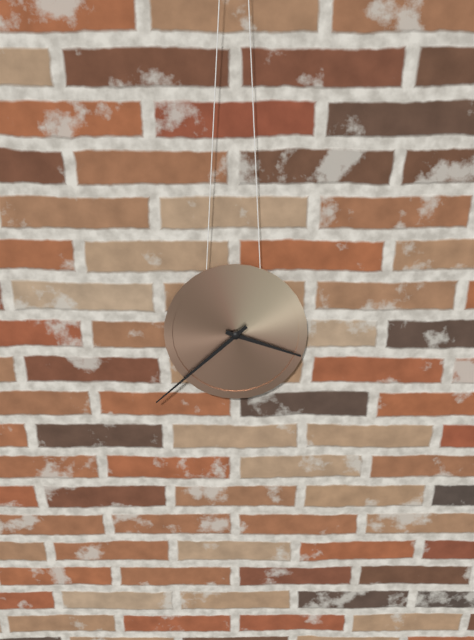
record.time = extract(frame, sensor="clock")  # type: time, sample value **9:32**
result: **3:38**
